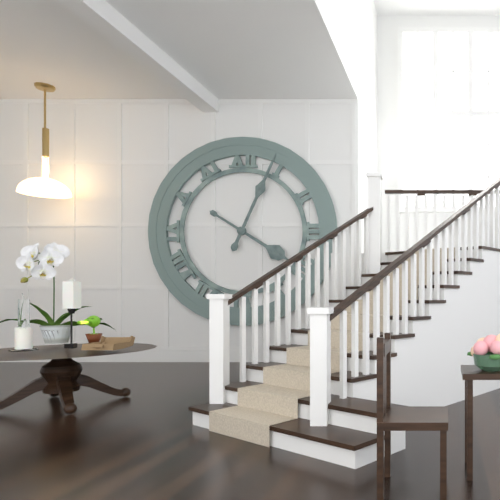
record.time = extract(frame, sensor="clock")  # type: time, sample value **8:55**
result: **4:04**
